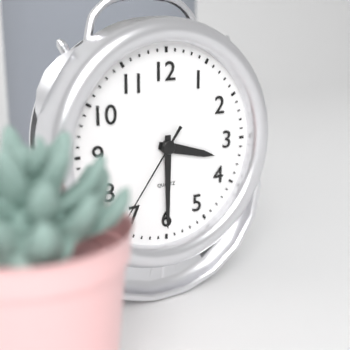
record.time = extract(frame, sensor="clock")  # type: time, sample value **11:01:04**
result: **3:30:36**
